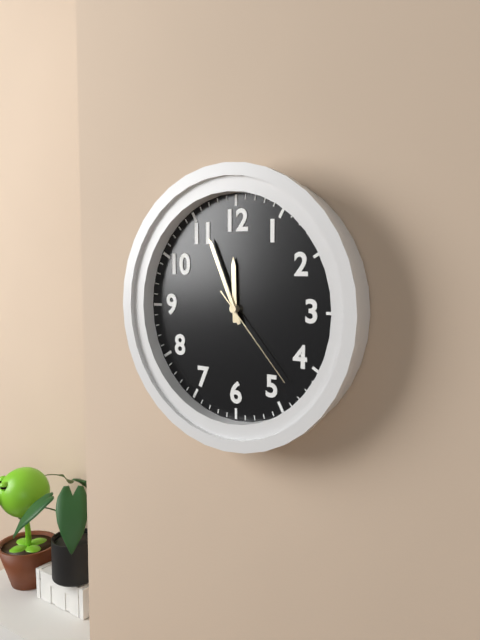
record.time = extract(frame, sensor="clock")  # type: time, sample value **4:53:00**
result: **11:56:23**
